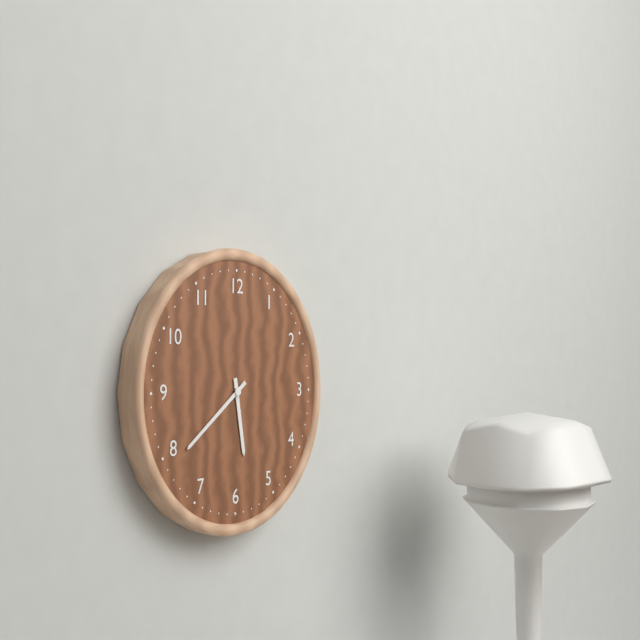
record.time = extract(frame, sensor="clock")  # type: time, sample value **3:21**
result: **5:39**
